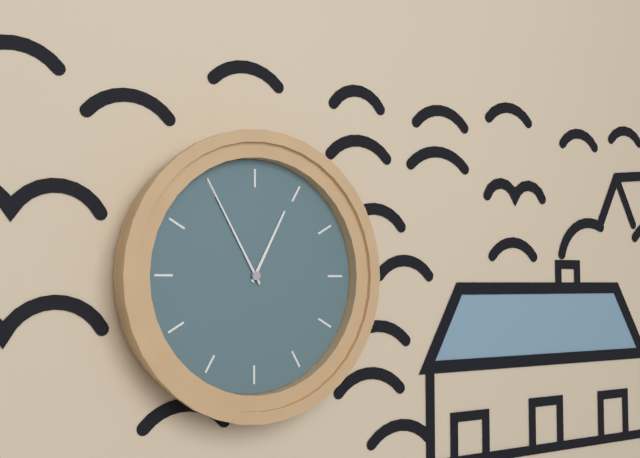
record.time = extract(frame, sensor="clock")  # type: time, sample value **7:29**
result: **12:55**
